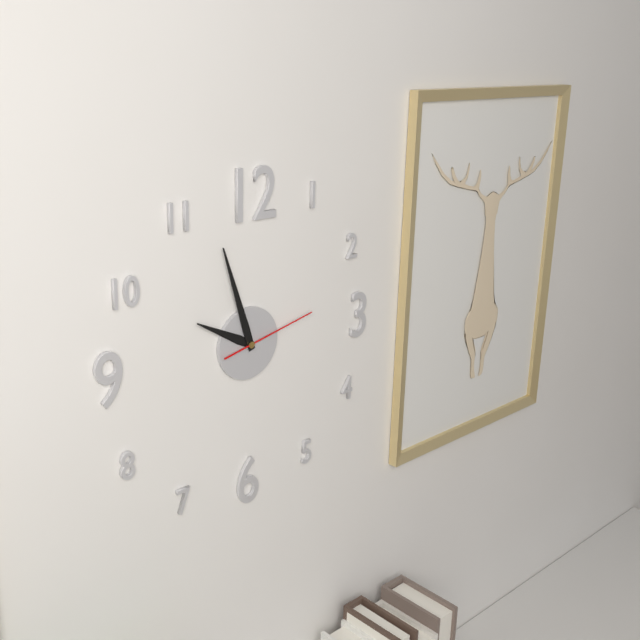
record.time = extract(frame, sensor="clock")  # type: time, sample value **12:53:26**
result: **9:57:13**
